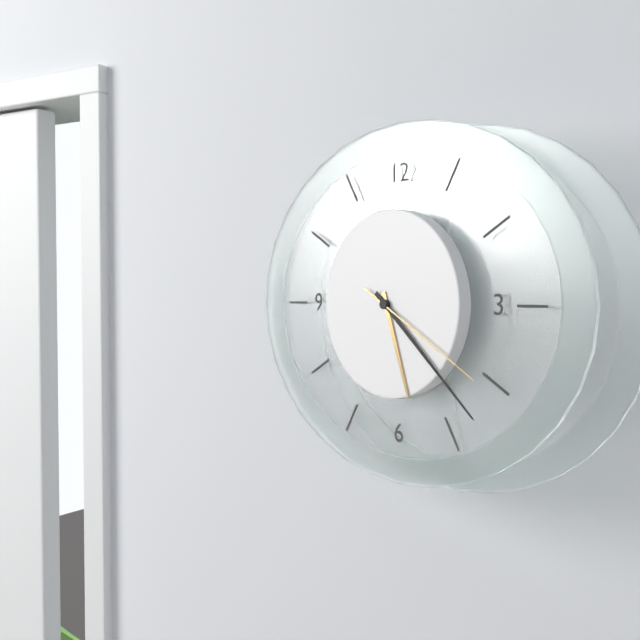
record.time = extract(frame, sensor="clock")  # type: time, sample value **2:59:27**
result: **5:22:20**
